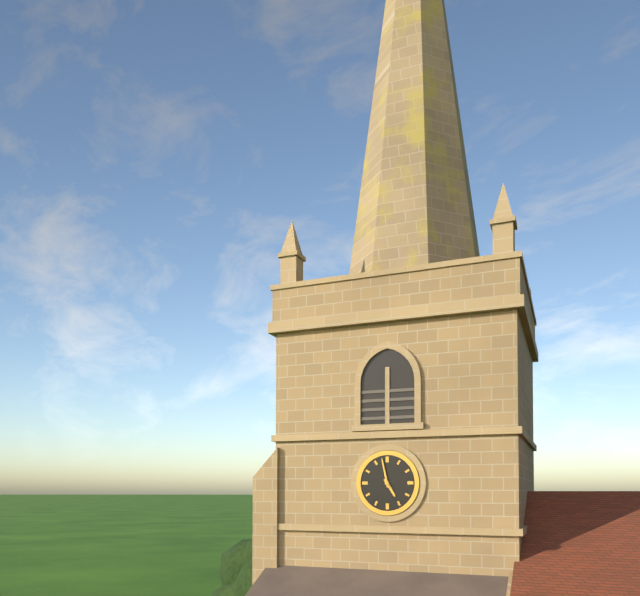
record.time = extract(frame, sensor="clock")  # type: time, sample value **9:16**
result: **4:58**
